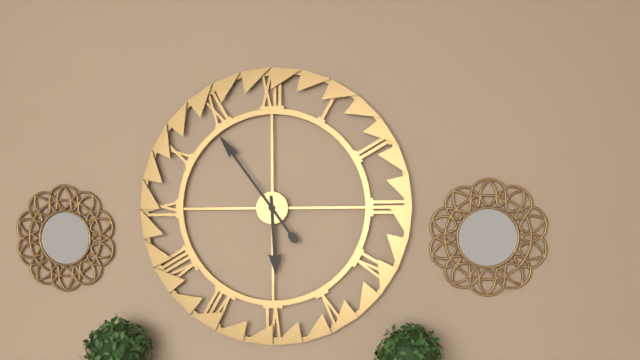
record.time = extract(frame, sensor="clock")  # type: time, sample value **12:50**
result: **5:54**
